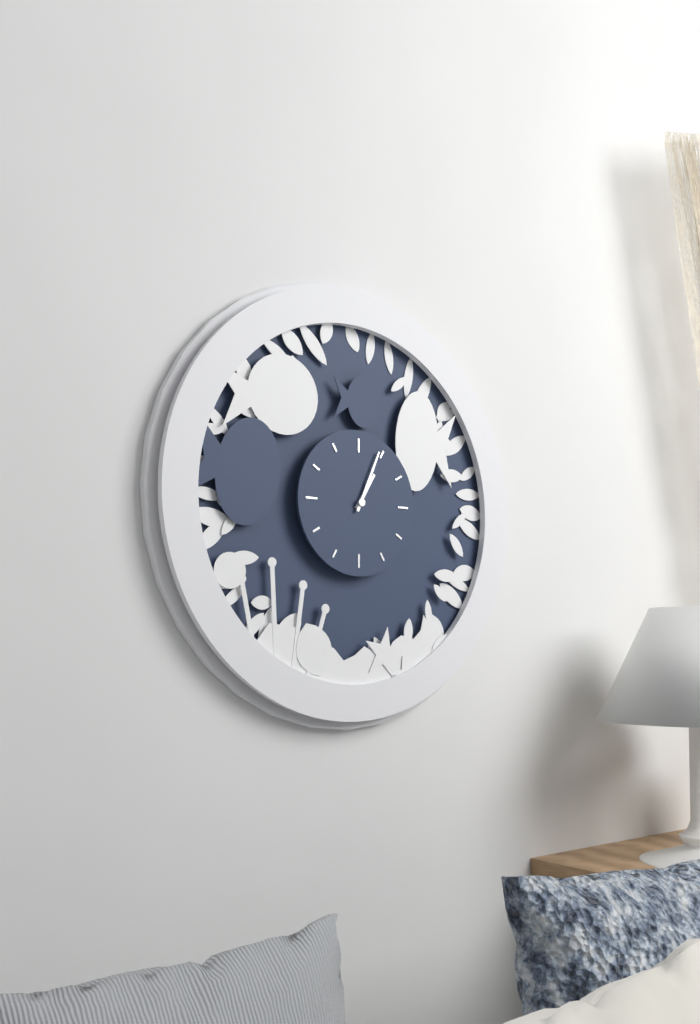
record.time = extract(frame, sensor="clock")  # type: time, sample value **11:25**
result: **1:04**
